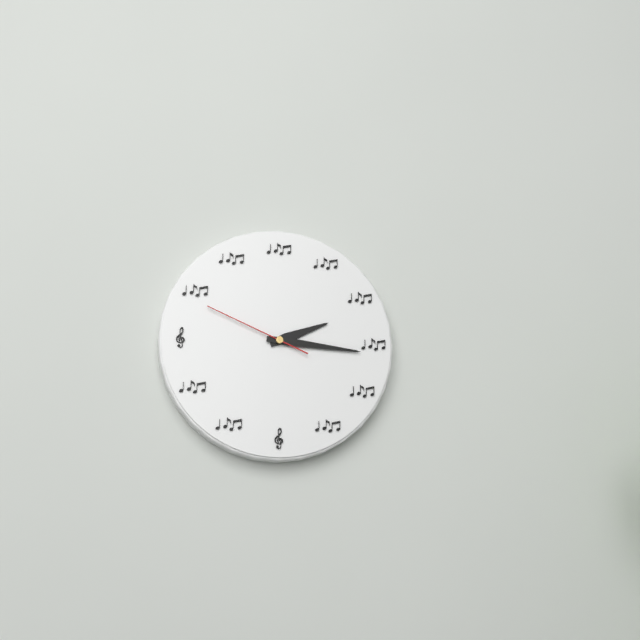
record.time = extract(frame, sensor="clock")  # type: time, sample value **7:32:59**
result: **2:16:49**
